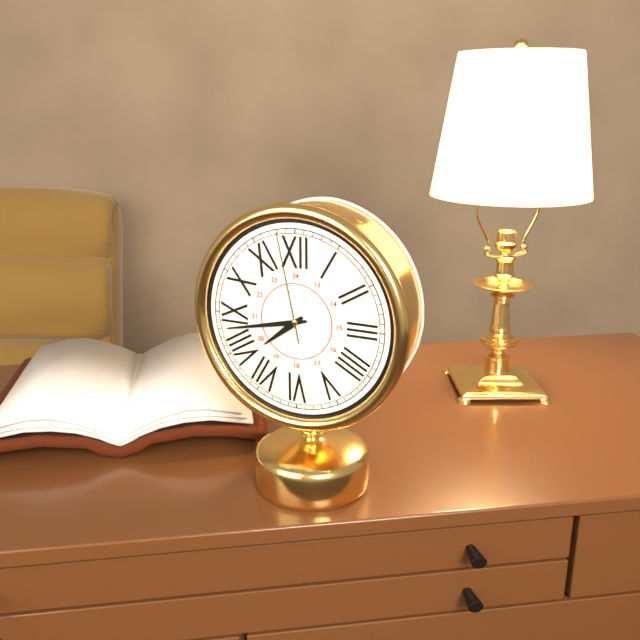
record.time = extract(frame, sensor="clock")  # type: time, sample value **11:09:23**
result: **7:43:58**
